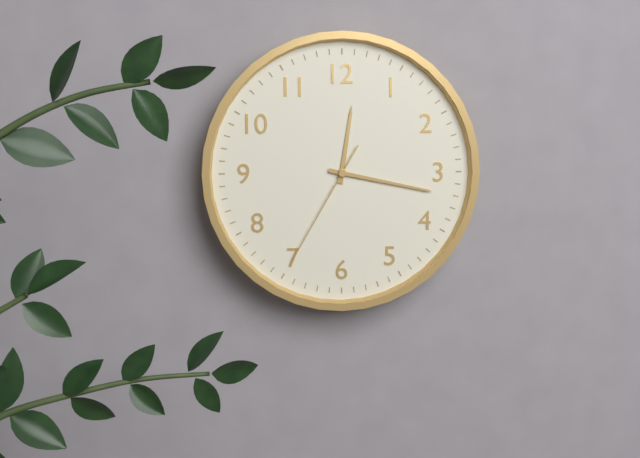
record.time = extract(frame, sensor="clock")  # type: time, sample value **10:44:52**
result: **12:17:35**
